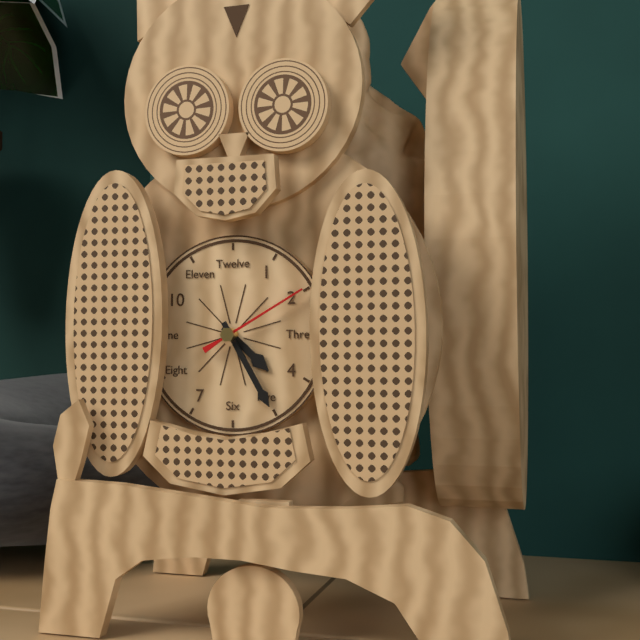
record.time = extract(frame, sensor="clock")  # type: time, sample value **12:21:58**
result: **4:25:10**
